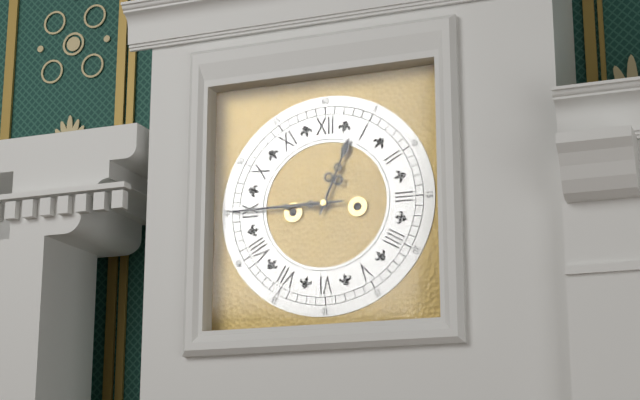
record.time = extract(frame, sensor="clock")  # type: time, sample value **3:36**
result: **12:45**
